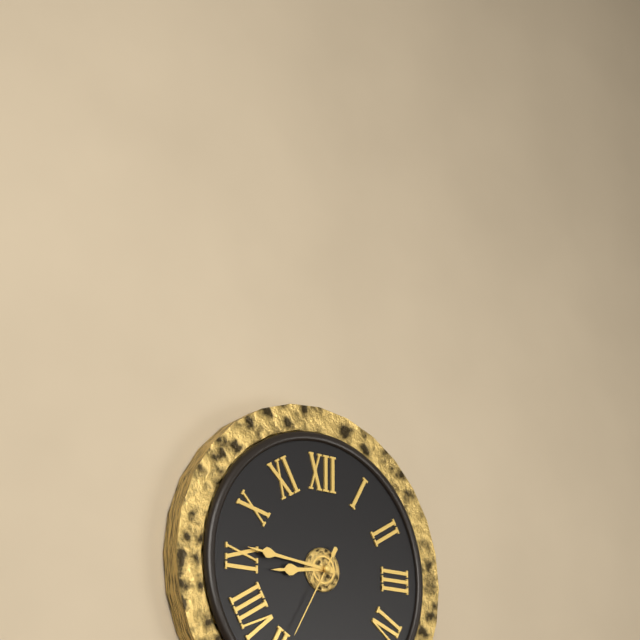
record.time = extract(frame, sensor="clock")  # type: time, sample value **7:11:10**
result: **8:46:35**
